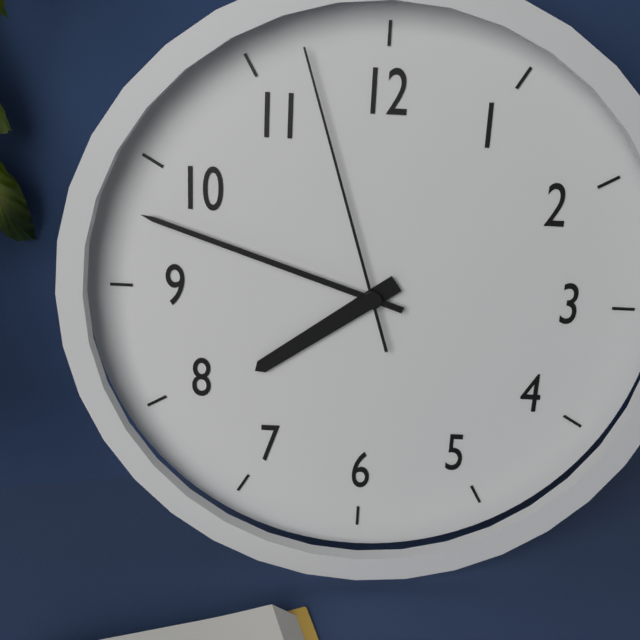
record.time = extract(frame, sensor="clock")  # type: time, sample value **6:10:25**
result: **7:48:57**
